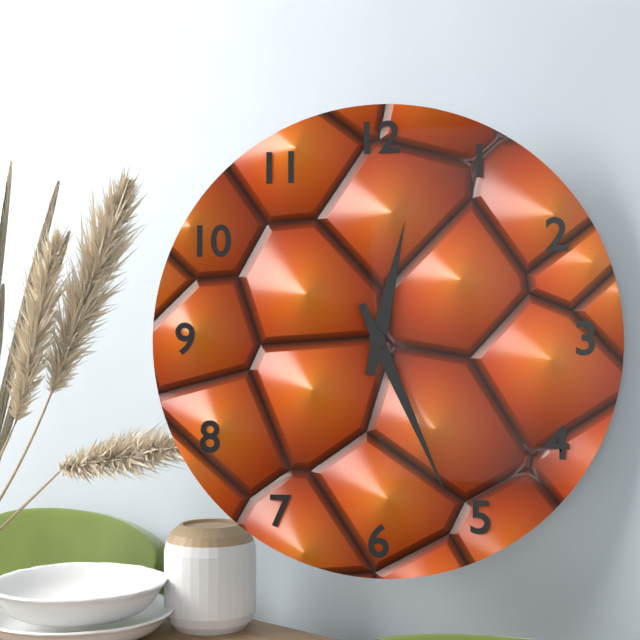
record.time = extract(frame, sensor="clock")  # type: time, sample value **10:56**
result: **12:26**
